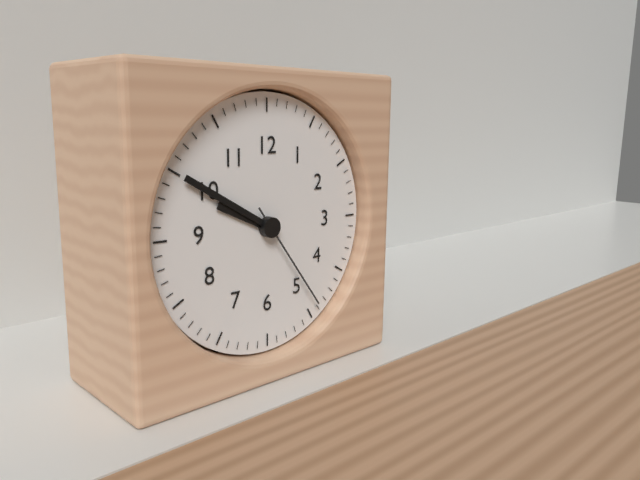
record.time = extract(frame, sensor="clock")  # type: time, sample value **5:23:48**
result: **9:50:24**
